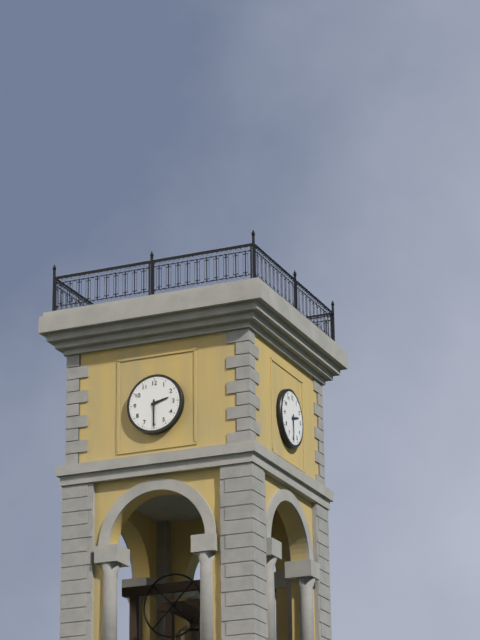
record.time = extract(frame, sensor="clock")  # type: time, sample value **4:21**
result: **2:30**
